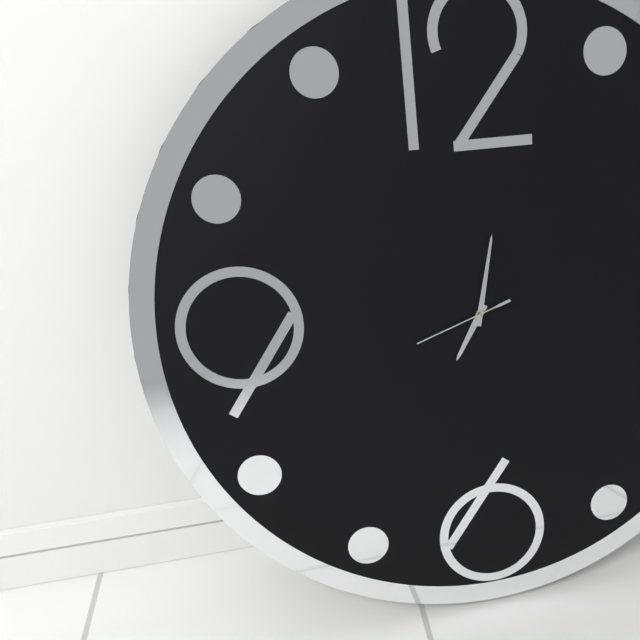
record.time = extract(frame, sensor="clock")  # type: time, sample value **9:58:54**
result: **7:02:42**
